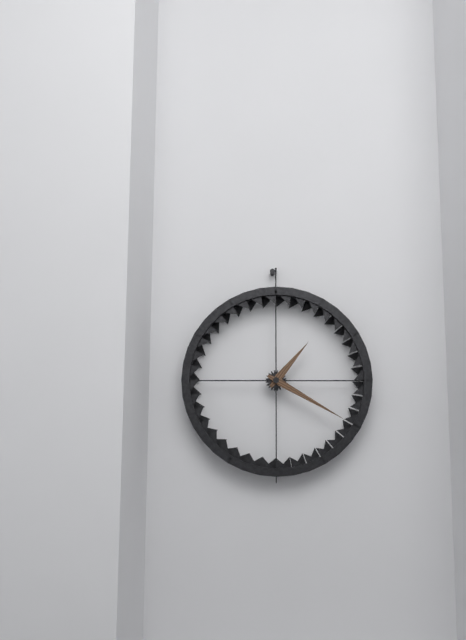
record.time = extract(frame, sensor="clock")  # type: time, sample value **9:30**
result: **1:20**
